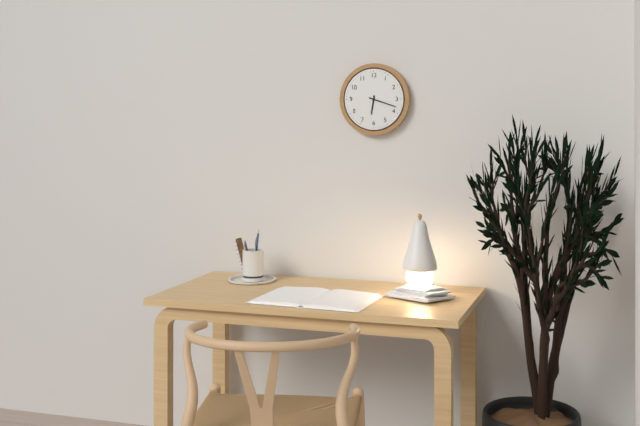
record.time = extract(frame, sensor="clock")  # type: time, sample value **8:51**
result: **6:18**
